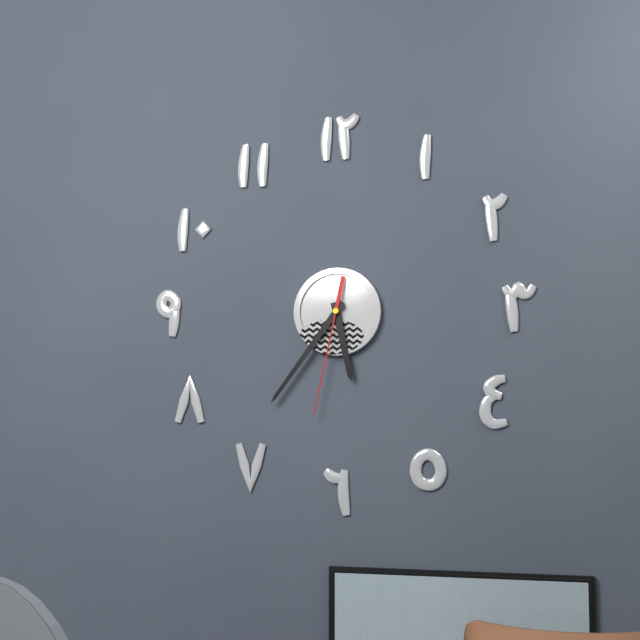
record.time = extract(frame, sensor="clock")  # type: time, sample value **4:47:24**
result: **5:36:32**
